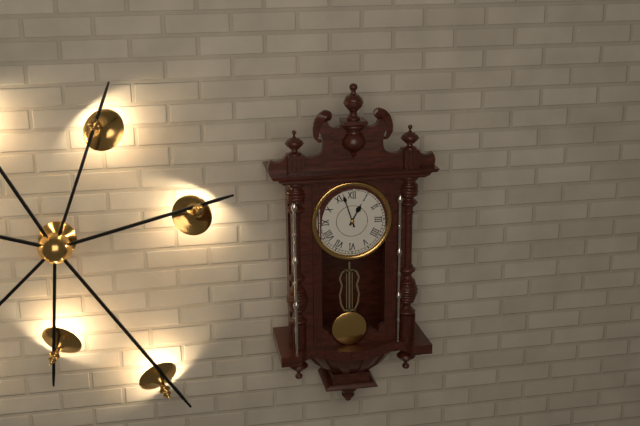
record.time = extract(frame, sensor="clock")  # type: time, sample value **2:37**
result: **12:57**
